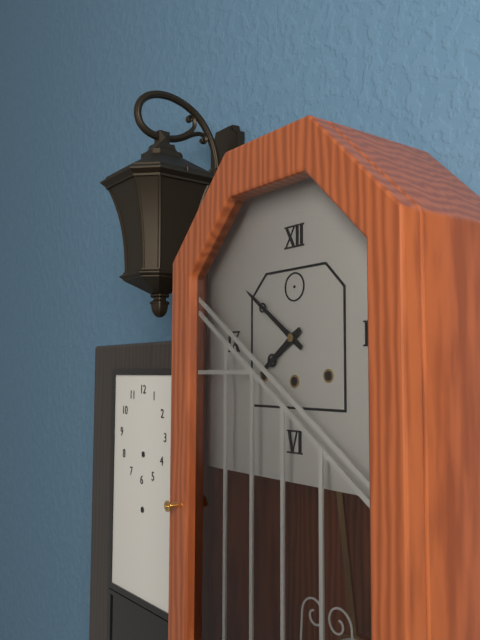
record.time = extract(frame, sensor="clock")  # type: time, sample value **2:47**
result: **7:51**
